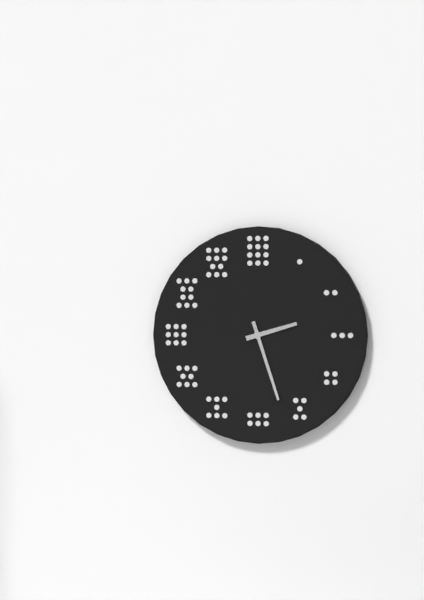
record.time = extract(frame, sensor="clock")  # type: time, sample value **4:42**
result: **2:27**
